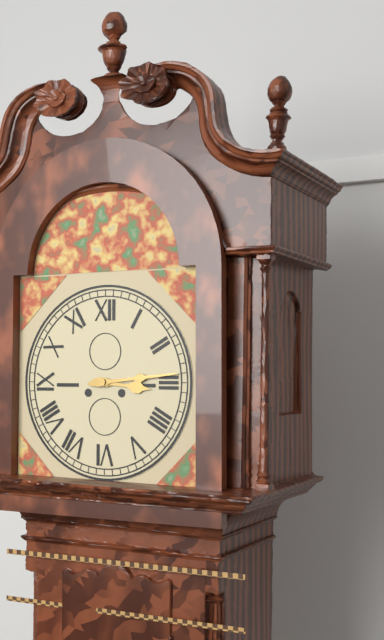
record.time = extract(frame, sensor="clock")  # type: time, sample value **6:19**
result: **3:14**
